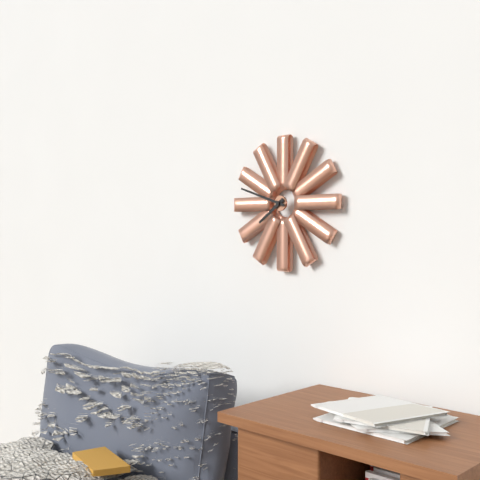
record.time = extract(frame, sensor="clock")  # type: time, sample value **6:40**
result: **7:48**
